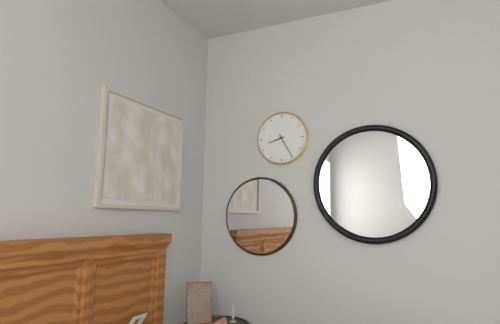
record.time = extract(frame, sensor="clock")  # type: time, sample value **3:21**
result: **8:25**
